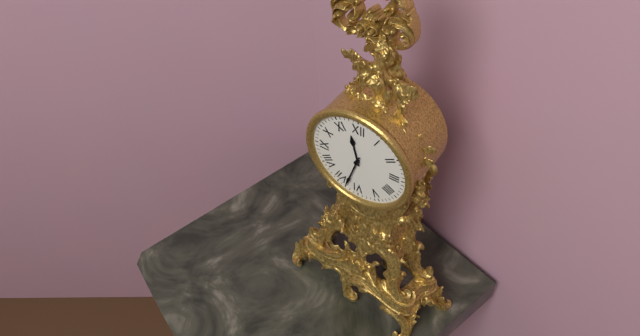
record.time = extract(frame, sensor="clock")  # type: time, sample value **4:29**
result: **11:33**
